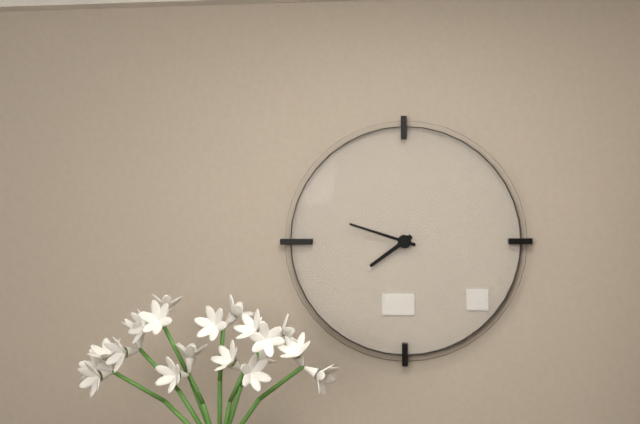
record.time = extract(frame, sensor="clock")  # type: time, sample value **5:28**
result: **7:48**
